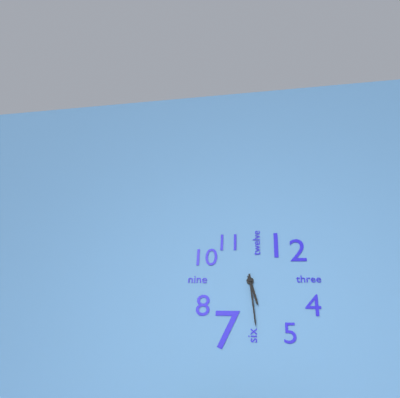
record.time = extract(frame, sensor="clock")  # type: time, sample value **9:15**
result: **5:29**
